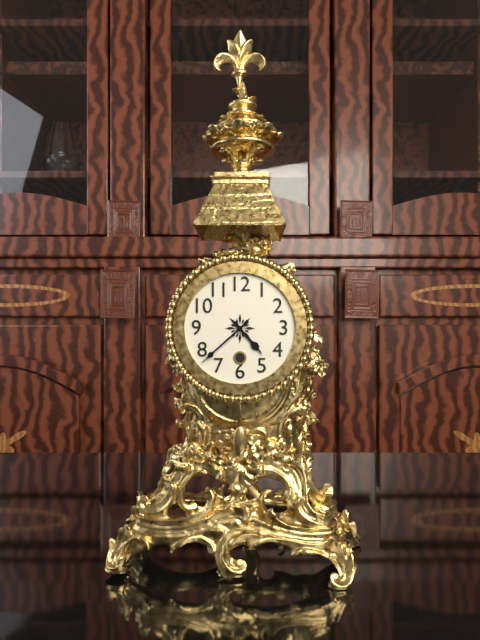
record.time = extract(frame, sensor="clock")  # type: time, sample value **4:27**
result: **4:38**
